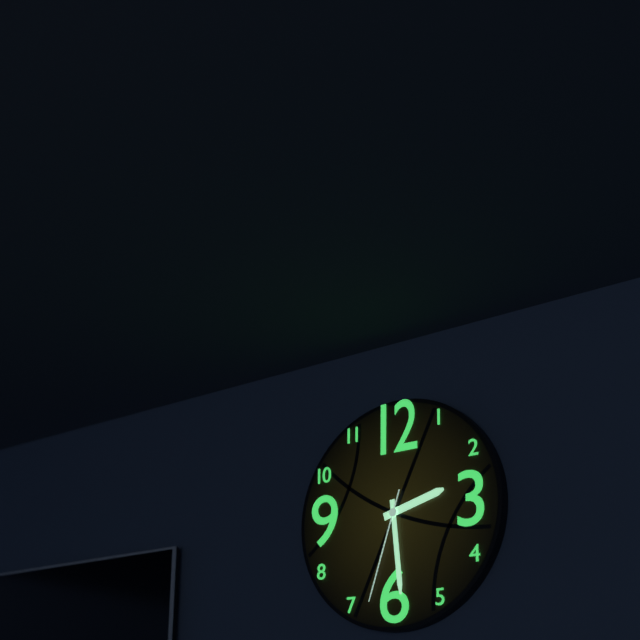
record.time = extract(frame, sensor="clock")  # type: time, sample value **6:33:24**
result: **2:29:33**
